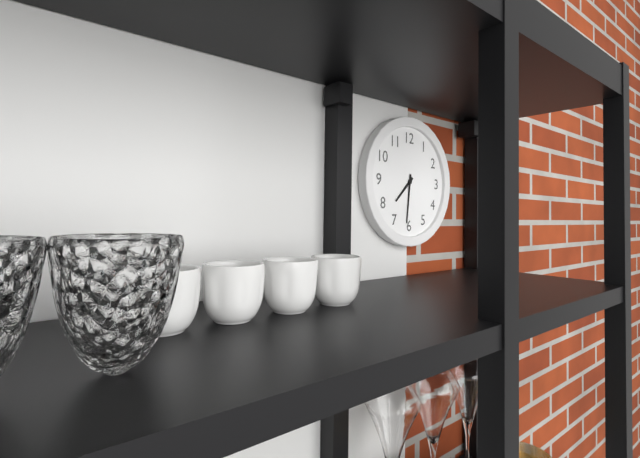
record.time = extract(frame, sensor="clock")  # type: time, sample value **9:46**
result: **7:31**
